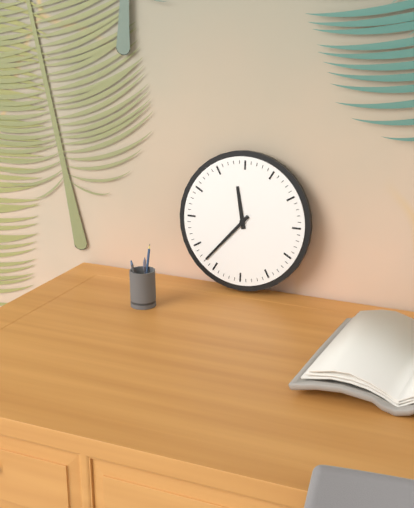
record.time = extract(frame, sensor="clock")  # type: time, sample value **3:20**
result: **11:37**
